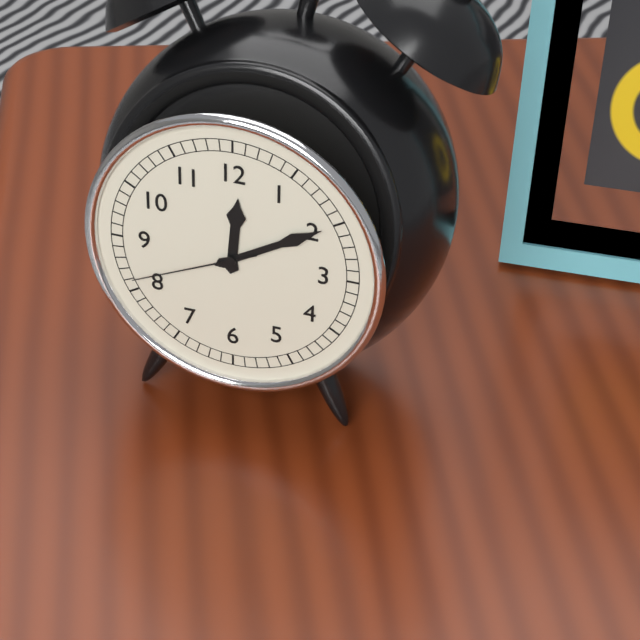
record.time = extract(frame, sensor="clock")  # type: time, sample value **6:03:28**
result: **12:10:41**
